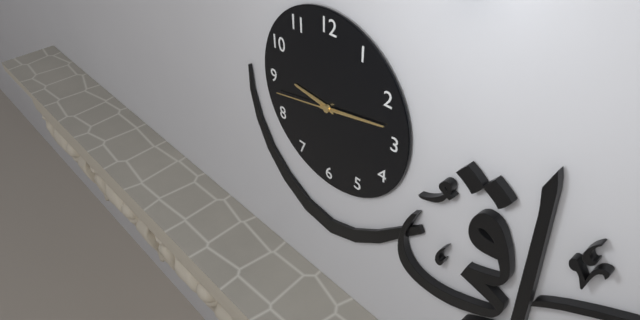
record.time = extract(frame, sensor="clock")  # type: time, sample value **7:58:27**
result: **9:13:43**
